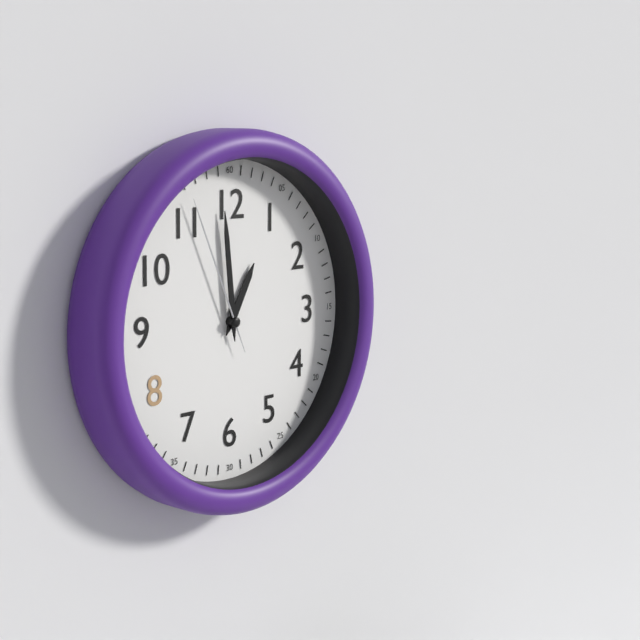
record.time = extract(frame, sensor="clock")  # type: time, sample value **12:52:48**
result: **12:59:56**
